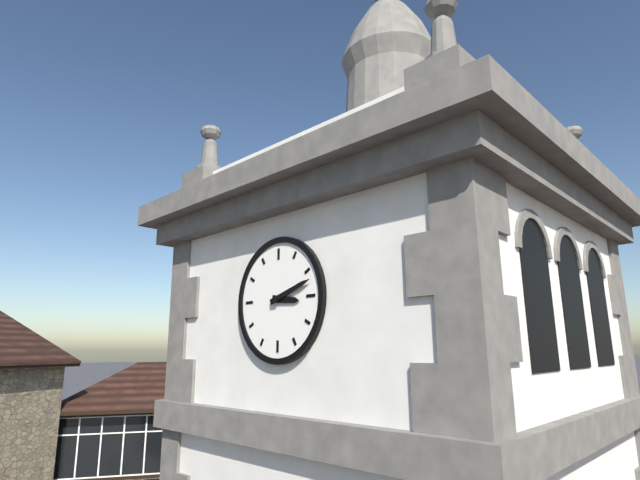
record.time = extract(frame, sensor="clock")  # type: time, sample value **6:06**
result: **3:12**
